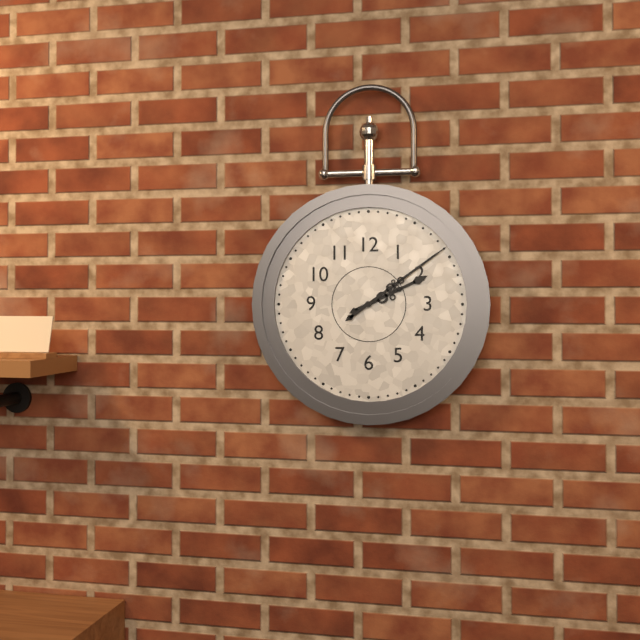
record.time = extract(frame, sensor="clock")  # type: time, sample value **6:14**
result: **2:09**
